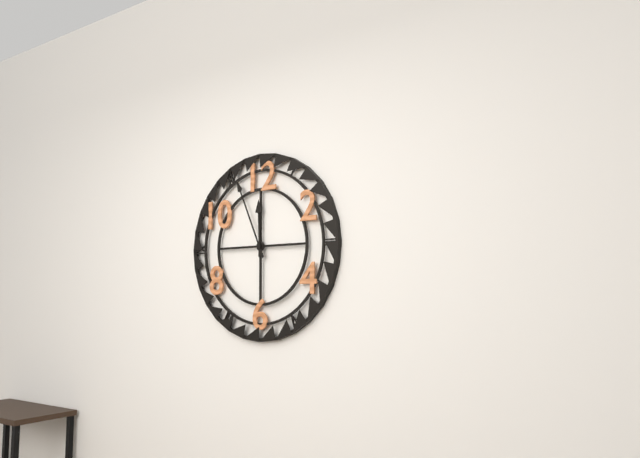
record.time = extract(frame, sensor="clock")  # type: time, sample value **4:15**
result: **11:56**
